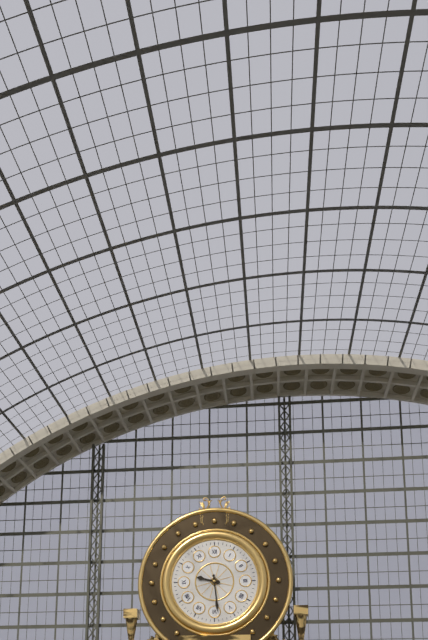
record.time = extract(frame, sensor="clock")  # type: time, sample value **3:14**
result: **9:29**
